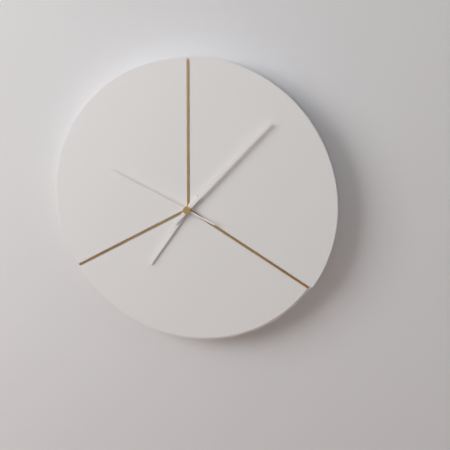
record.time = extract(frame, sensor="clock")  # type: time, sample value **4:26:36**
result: **7:07:49**
